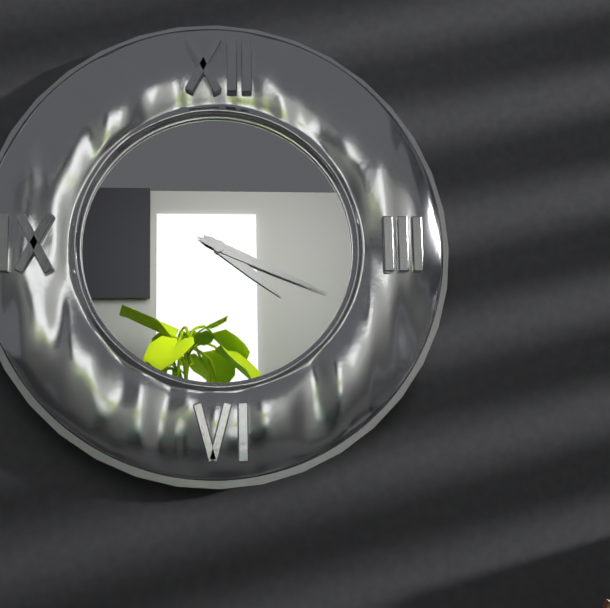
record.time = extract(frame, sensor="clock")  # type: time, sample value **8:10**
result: **4:19**
